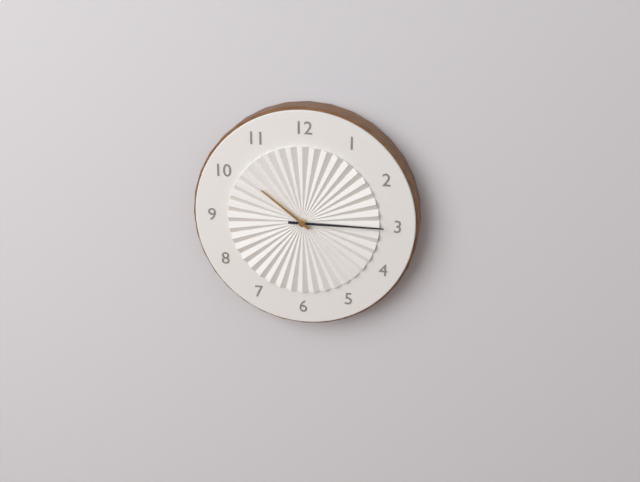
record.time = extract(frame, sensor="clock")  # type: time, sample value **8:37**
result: **10:15**
